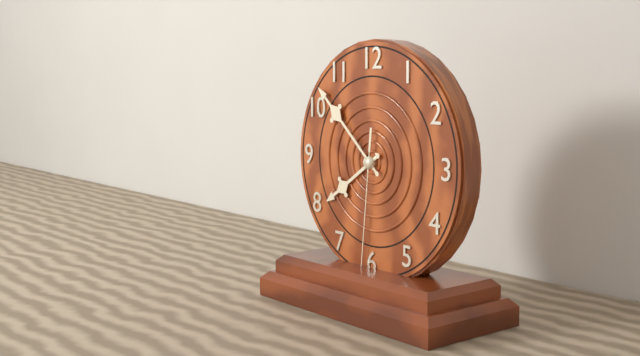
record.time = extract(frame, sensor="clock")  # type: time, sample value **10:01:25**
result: **7:52:31**
